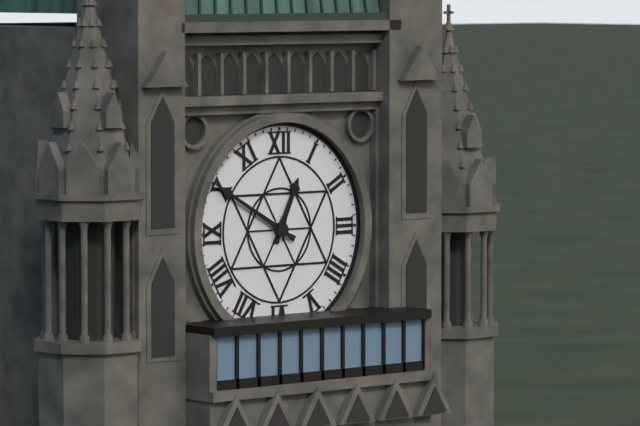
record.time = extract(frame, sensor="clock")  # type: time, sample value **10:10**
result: **12:50**
